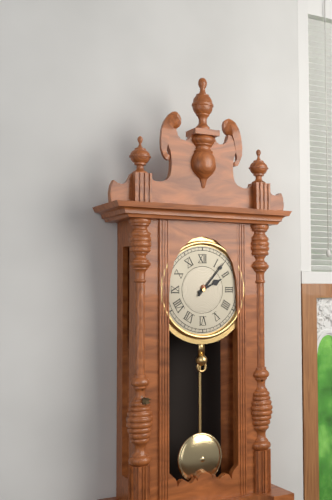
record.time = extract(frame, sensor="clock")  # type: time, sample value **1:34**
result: **2:07**
